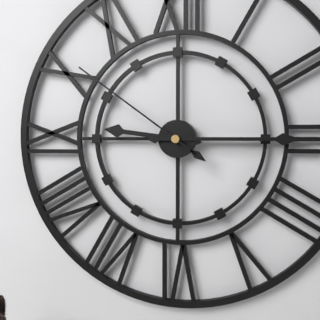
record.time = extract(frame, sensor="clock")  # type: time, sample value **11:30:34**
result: **9:15:51**
